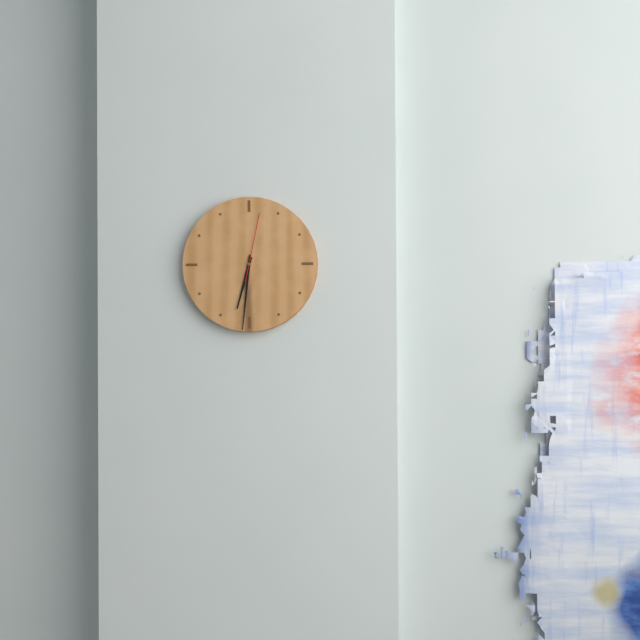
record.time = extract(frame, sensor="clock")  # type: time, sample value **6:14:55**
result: **6:31:02**
